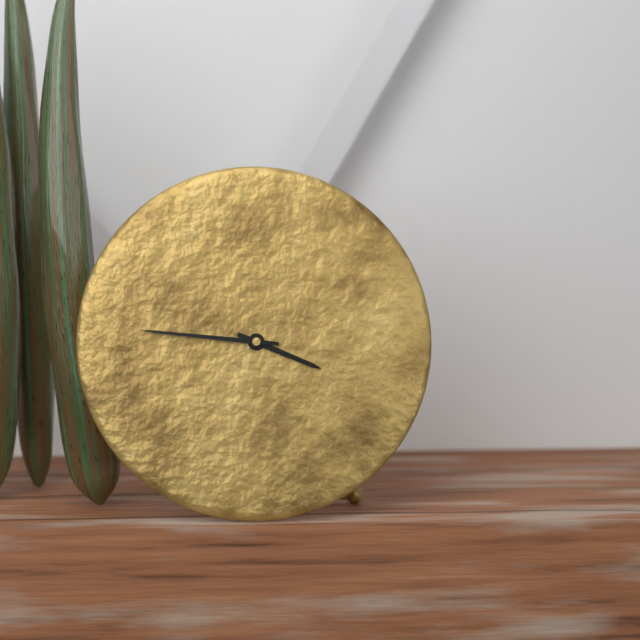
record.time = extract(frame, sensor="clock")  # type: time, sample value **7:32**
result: **3:46**
